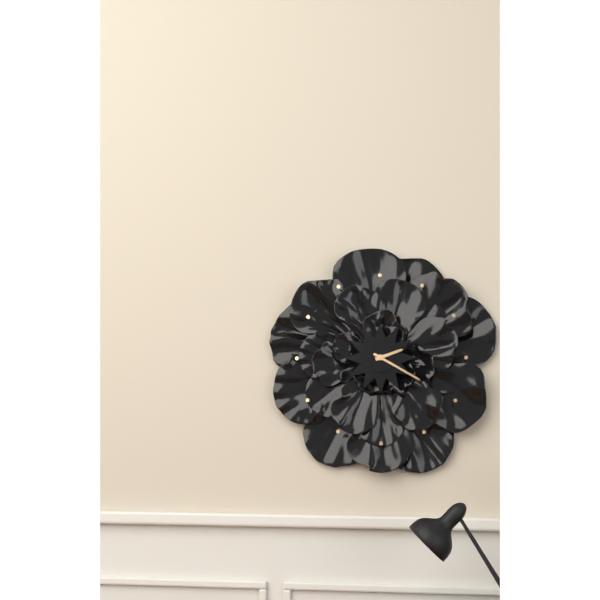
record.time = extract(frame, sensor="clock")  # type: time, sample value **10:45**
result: **2:20**
